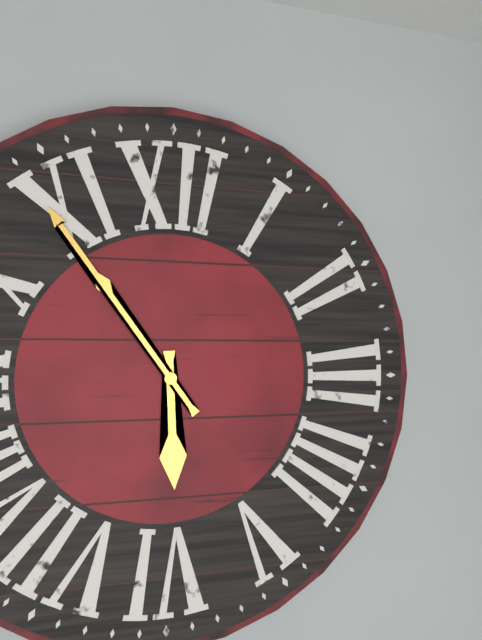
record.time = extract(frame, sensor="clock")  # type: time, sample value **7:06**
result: **5:54**
